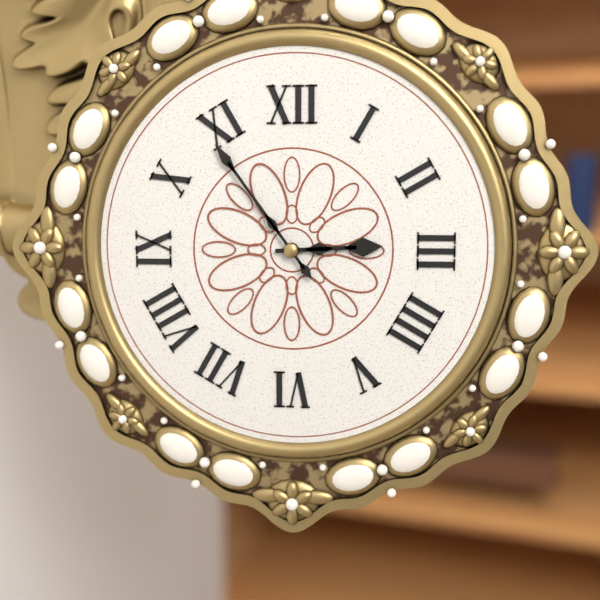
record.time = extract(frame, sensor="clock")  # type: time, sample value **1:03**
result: **2:54**
